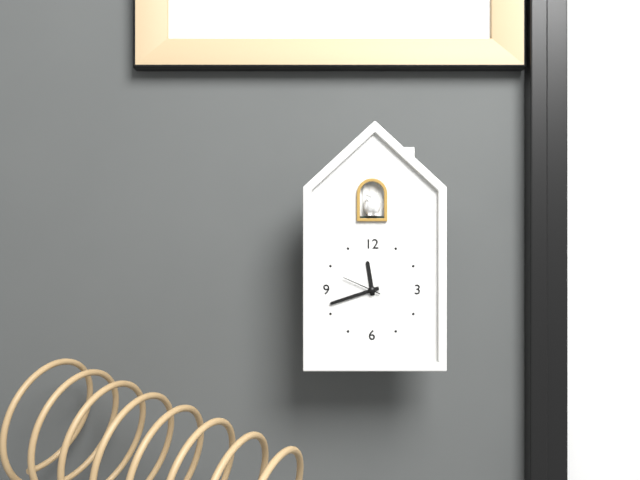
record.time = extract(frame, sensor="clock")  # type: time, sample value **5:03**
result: **11:42**
